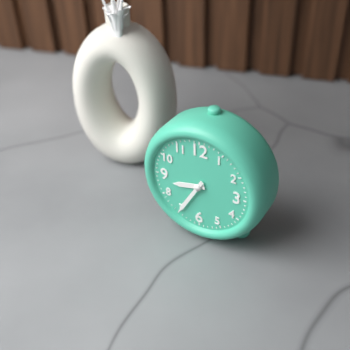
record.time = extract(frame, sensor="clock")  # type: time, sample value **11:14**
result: **8:35**
